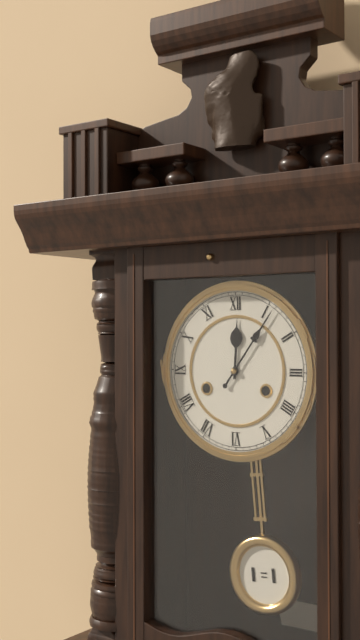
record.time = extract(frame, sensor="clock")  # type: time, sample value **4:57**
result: **12:06**
